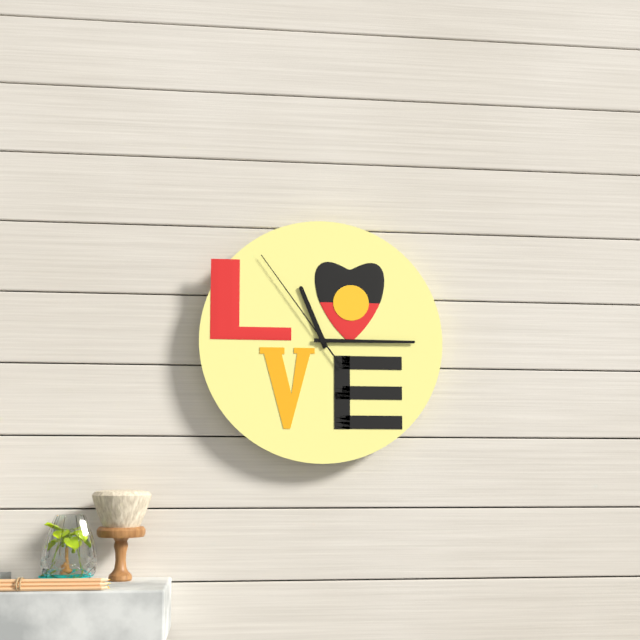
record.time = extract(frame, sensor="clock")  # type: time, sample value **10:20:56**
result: **11:15:54**
